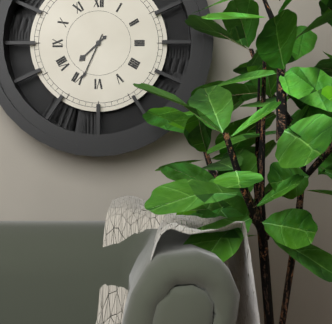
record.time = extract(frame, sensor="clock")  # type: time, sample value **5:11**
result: **7:34**
